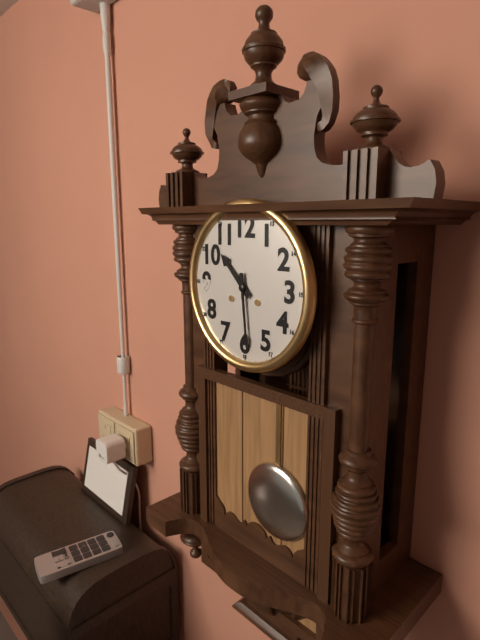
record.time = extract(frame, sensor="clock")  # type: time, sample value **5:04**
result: **10:29**
